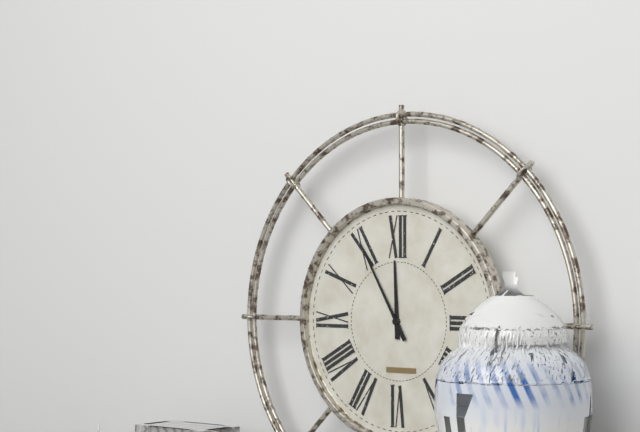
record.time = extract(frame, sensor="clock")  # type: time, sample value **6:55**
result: **11:55**
